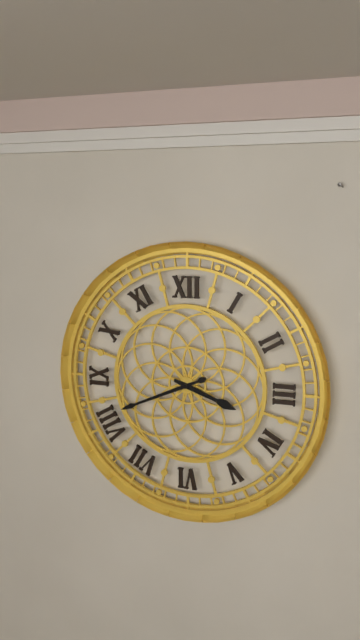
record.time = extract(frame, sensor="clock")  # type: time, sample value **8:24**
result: **3:41**
